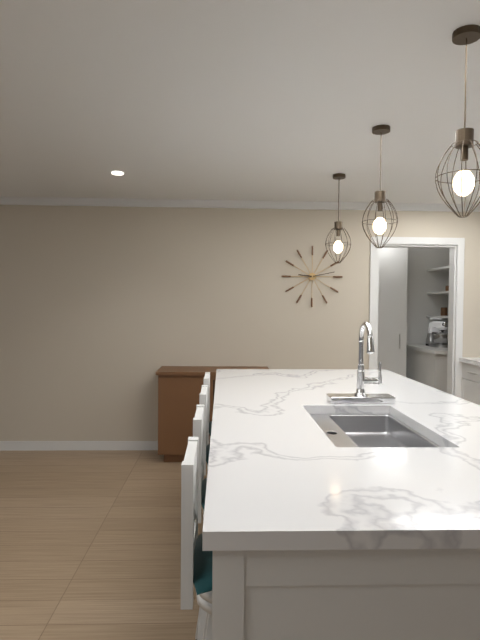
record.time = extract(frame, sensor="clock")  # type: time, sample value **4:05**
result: **9:13**
